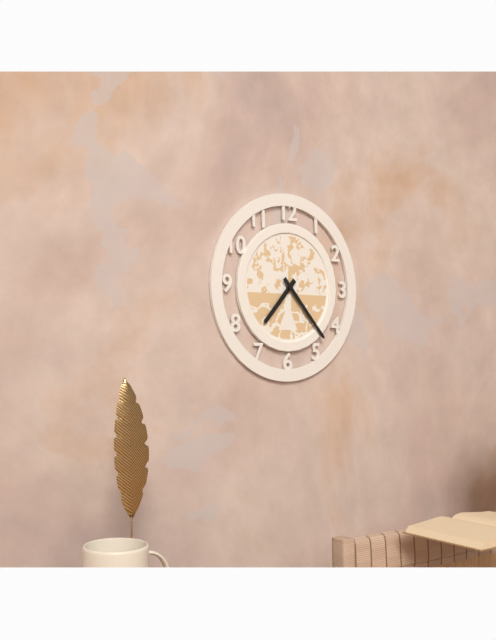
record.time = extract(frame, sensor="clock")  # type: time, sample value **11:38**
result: **7:23**
